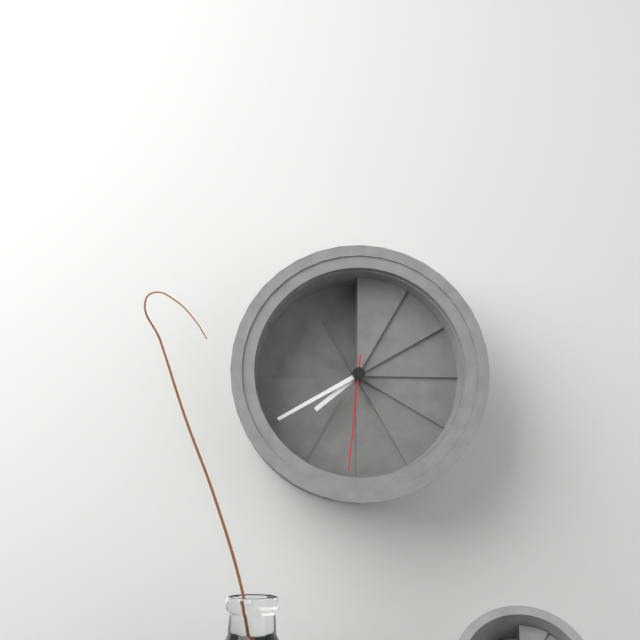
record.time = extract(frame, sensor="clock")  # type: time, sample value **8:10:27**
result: **7:40:31**
